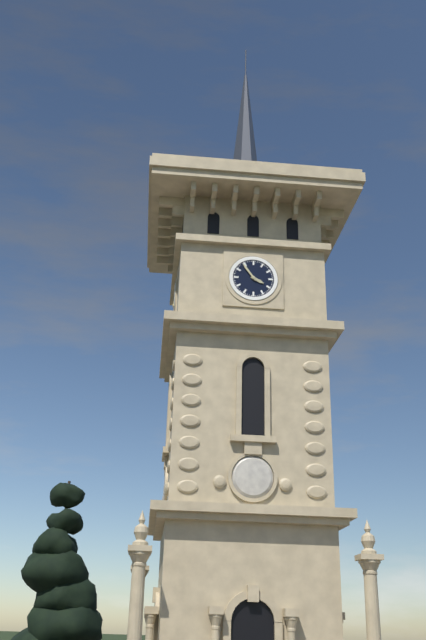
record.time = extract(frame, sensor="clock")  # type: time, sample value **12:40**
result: **3:54**
